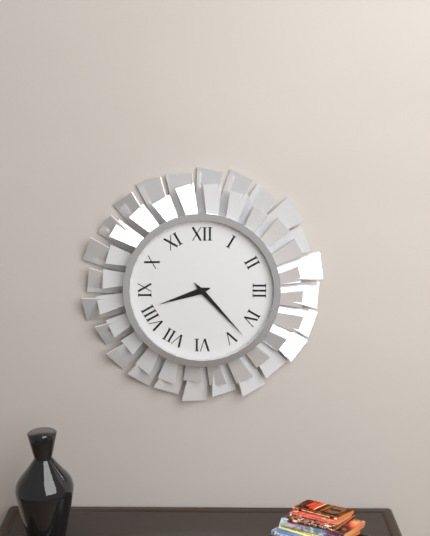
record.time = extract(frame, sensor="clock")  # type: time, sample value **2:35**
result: **8:23**
